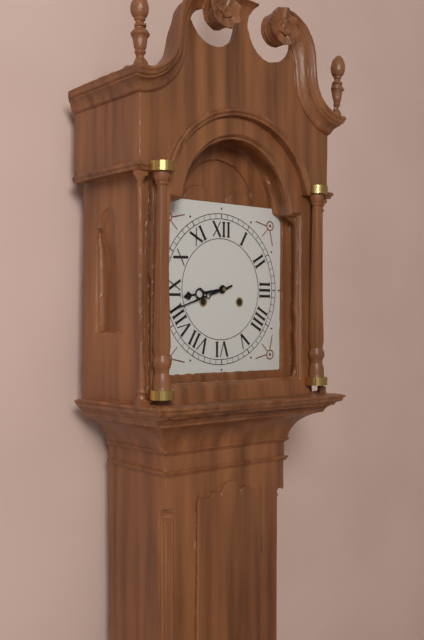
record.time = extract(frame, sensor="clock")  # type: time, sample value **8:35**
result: **8:42**
